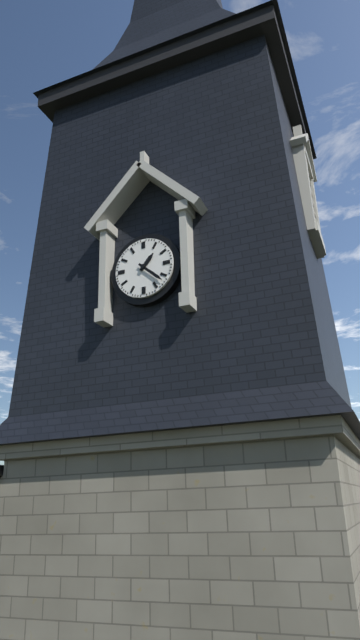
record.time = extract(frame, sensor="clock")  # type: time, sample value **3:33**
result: **1:22**
